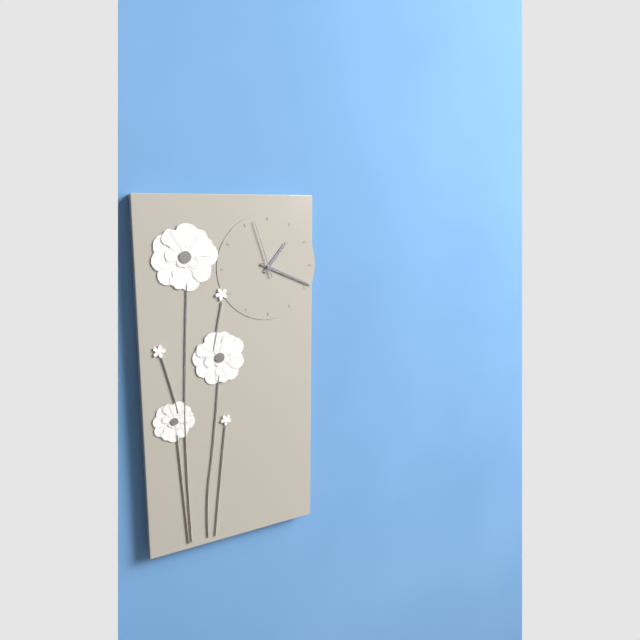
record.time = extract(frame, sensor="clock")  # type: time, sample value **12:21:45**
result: **1:19:57**
